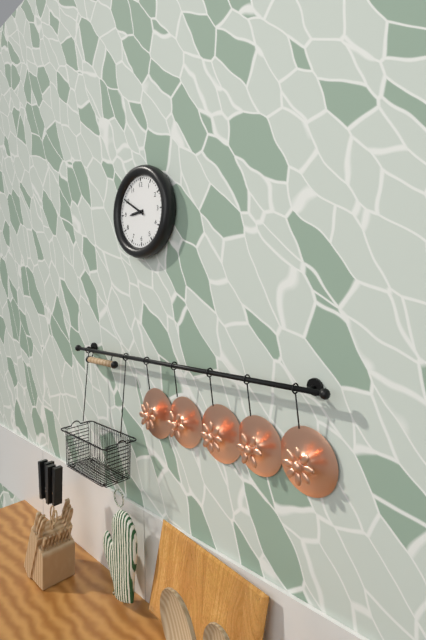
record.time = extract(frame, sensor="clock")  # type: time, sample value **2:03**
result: **8:50**
